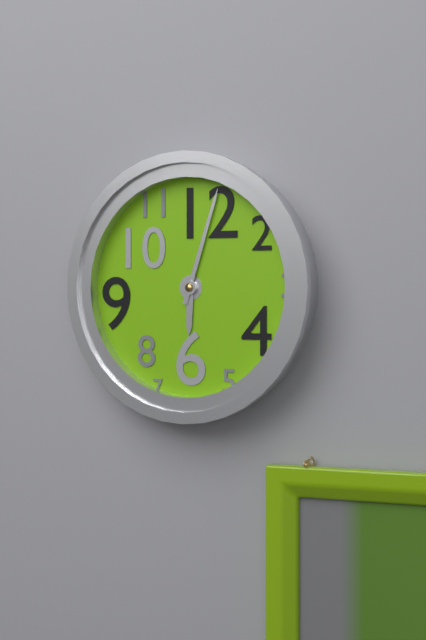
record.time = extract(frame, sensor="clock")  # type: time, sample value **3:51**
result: **6:03**
